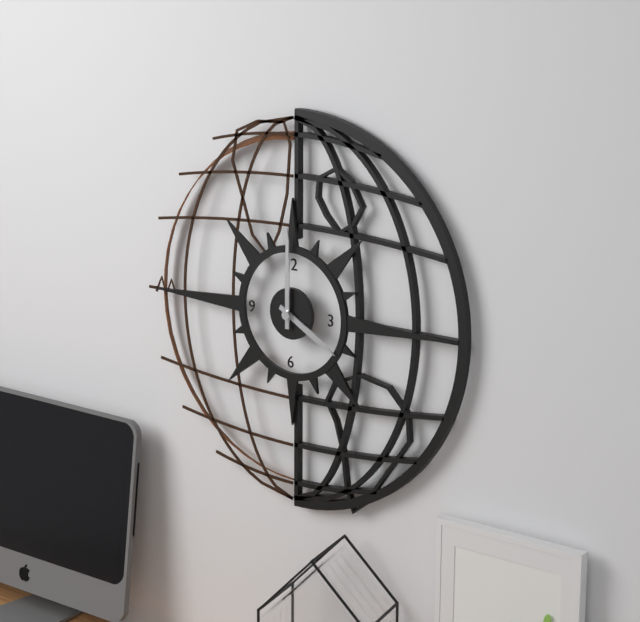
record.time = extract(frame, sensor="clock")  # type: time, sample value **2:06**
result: **4:00**
